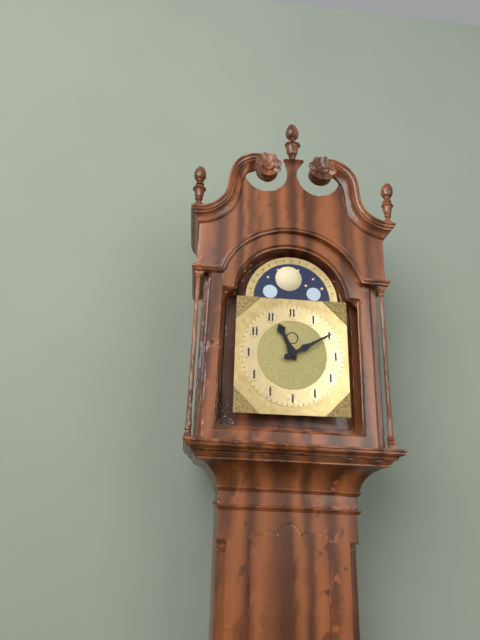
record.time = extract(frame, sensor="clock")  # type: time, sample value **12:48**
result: **11:10**
